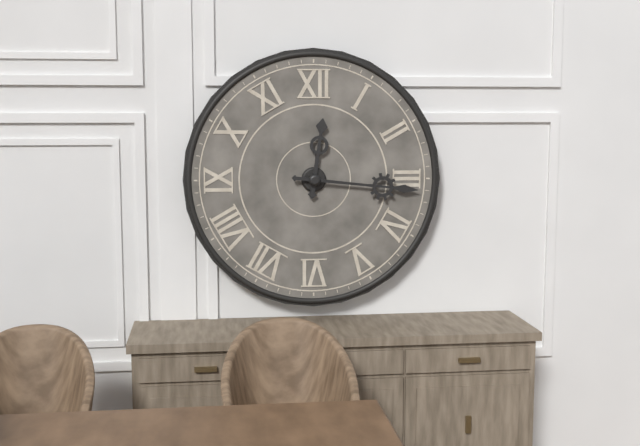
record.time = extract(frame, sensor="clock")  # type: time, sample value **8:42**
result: **12:16**
